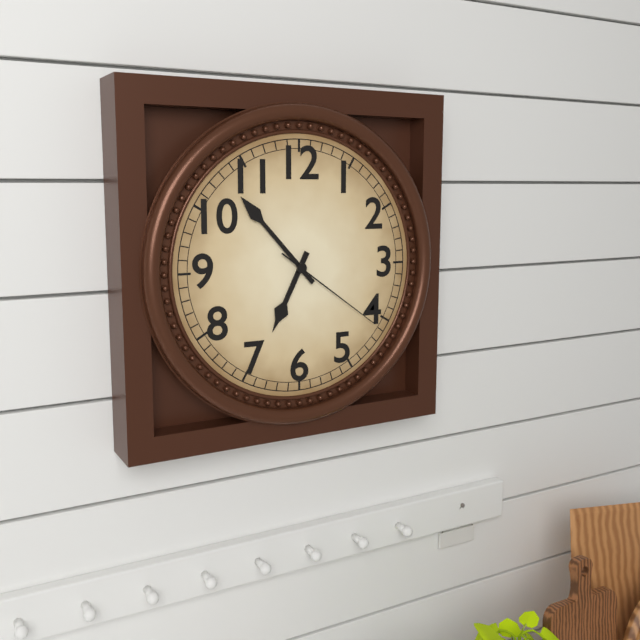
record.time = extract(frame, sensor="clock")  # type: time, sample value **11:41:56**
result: **6:53:21**
